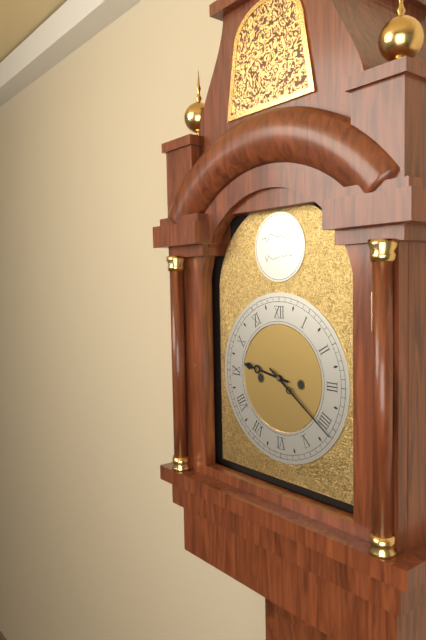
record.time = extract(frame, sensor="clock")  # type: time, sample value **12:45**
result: **9:21**
